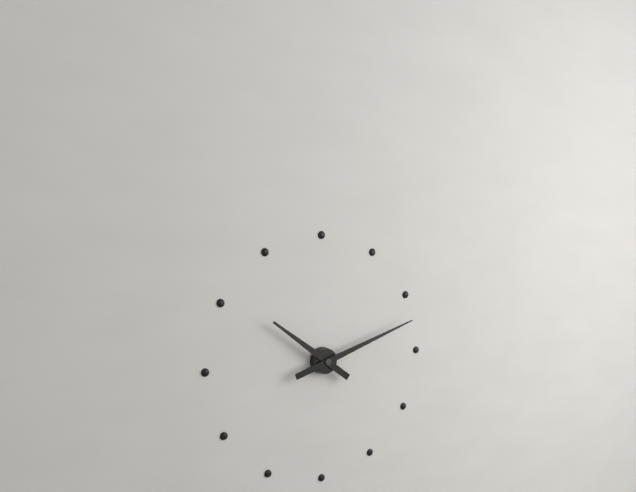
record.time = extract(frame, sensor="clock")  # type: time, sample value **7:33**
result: **10:12**
